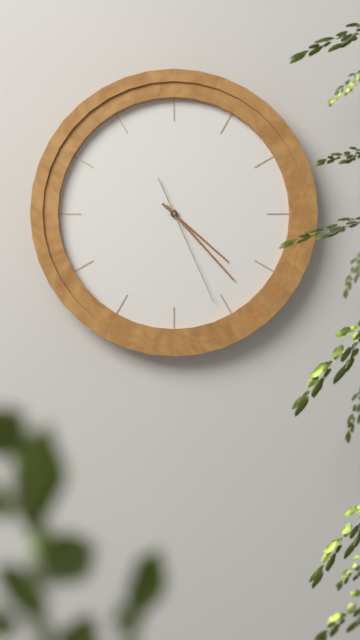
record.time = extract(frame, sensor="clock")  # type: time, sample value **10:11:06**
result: **4:23:26**
